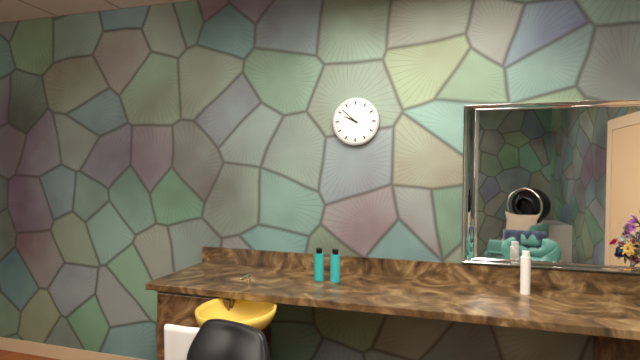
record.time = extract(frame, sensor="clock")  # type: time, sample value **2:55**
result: **9:52**
